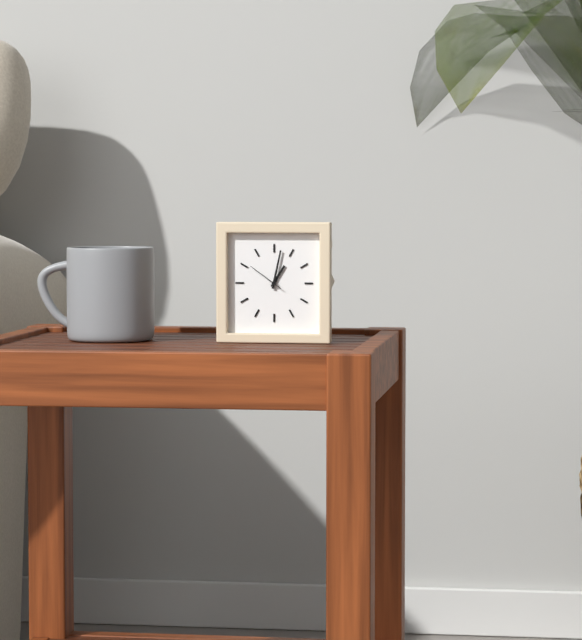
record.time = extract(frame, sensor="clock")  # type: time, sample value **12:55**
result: **1:02**
